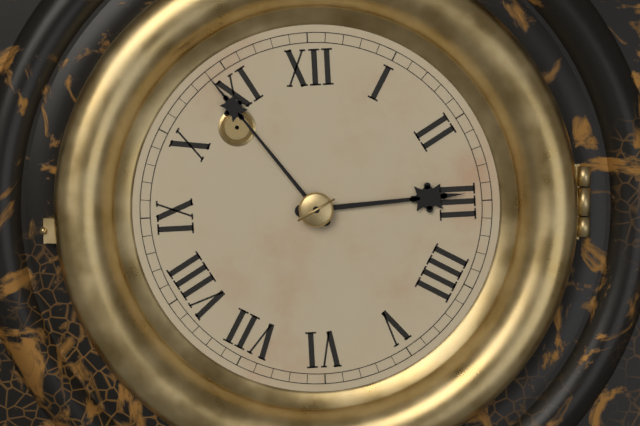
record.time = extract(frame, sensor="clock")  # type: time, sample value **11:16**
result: **2:54**
